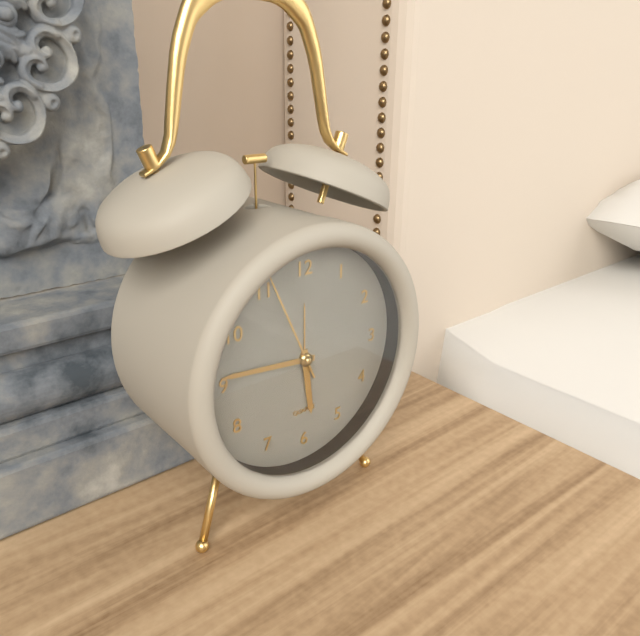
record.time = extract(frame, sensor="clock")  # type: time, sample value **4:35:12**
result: **5:46:56**
